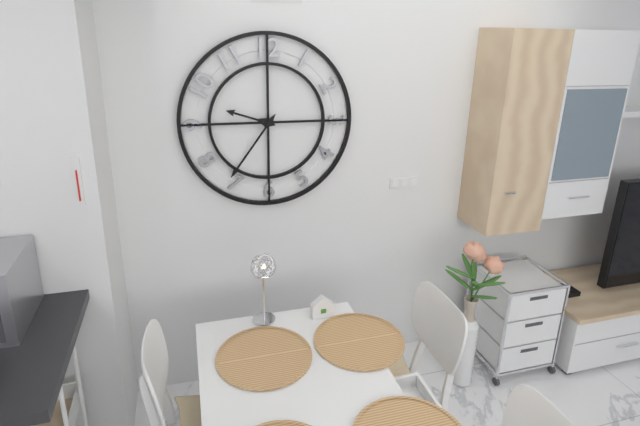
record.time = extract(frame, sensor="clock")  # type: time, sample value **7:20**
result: **9:36**
